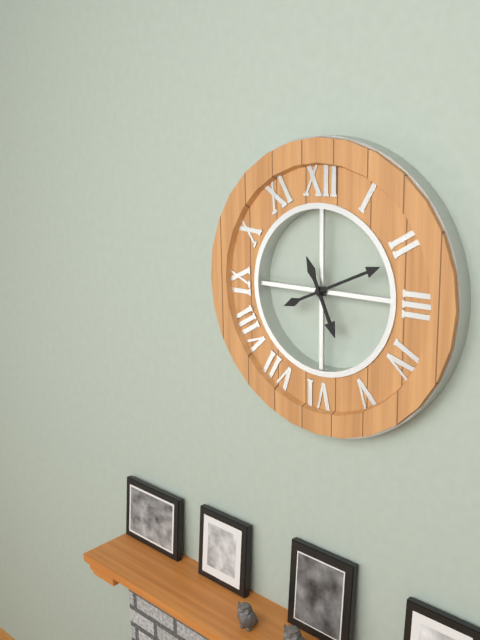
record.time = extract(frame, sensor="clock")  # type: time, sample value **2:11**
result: **5:11**
